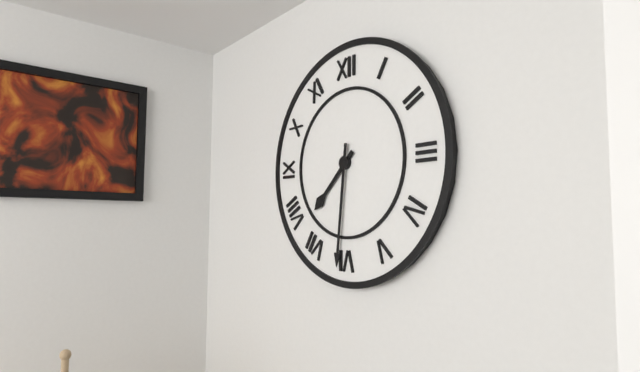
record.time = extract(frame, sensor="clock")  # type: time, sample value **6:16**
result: **7:31**
